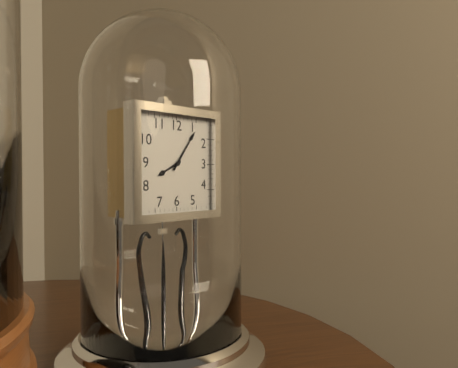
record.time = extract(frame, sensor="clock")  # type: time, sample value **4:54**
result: **8:06**
